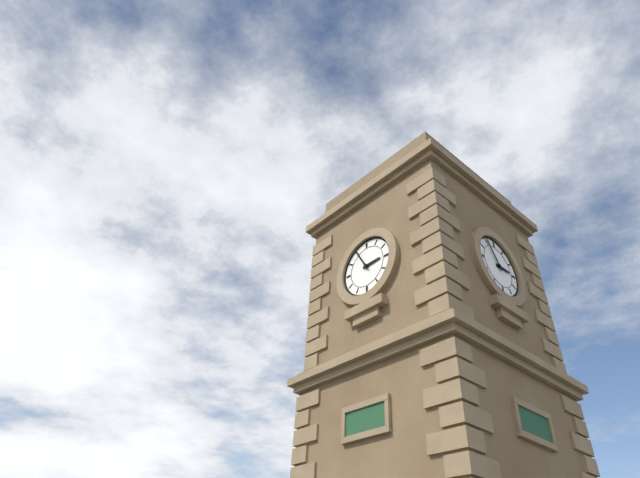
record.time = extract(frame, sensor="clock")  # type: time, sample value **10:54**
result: **2:55**
